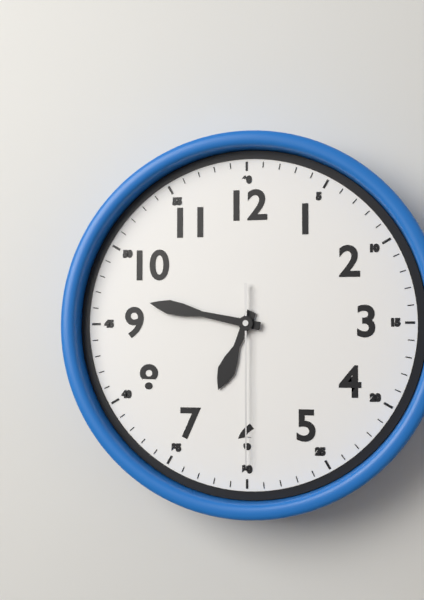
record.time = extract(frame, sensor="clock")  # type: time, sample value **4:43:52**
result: **6:47:30**
